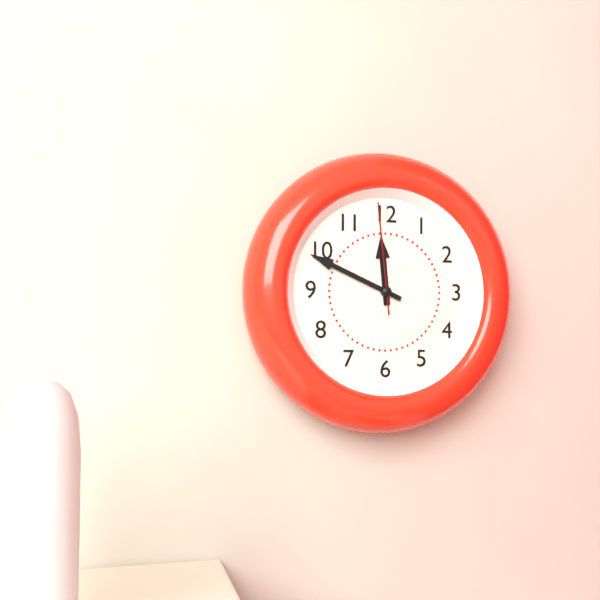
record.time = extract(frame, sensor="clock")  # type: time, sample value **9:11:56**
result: **11:49:59**
